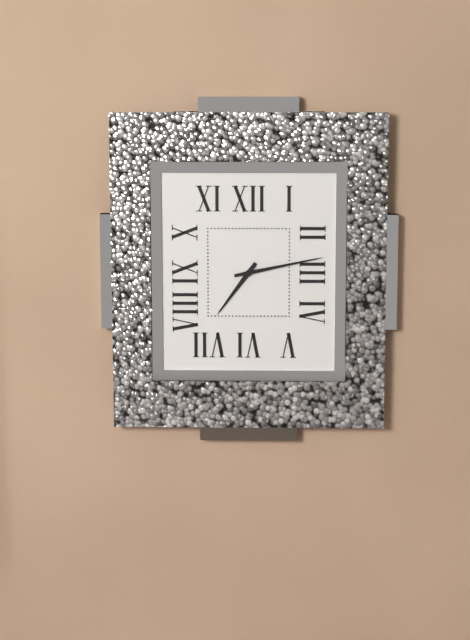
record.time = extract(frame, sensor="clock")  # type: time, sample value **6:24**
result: **7:13**
